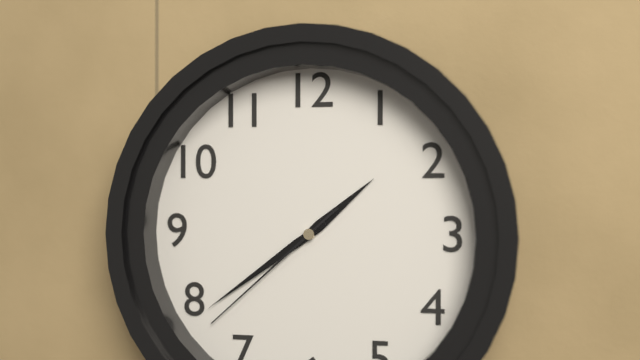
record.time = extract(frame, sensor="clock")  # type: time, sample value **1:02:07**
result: **1:39:38**
